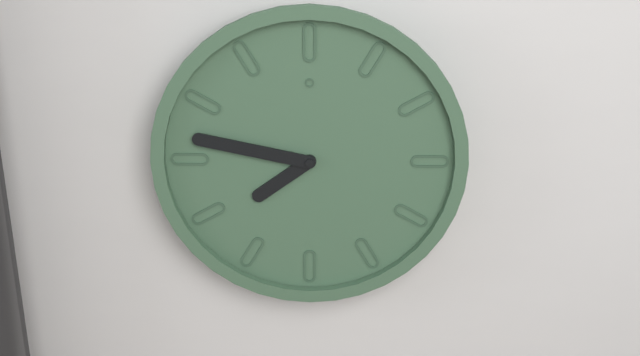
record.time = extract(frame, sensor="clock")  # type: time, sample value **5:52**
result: **7:47**
